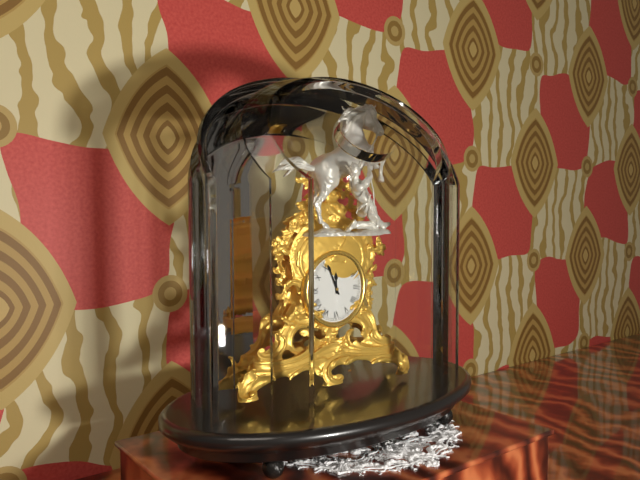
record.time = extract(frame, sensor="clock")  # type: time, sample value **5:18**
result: **11:56**
